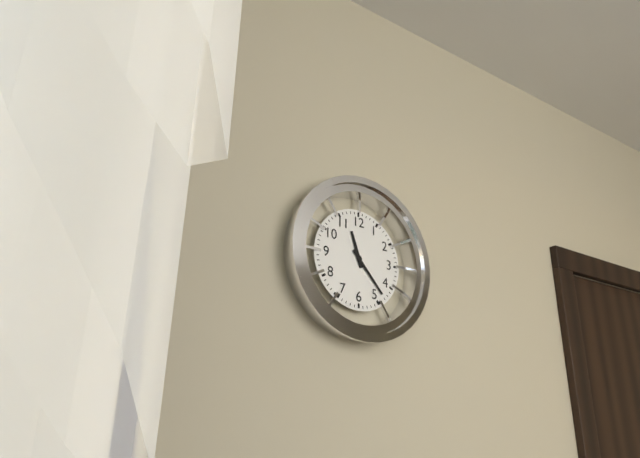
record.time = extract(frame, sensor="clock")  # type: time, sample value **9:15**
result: **11:23**
